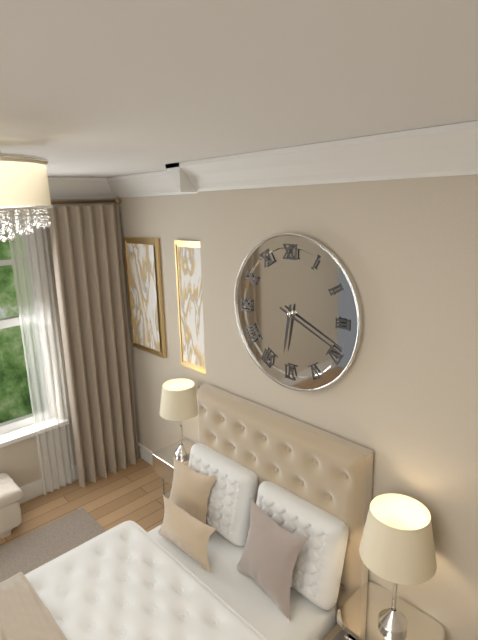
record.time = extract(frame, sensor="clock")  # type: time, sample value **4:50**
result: **6:19**
